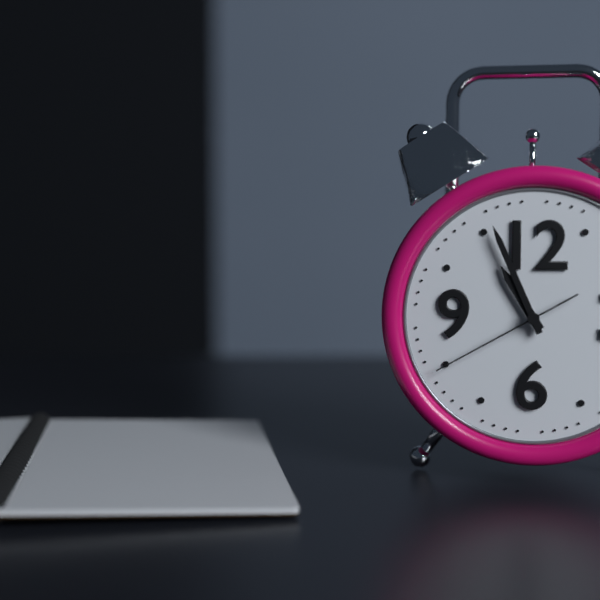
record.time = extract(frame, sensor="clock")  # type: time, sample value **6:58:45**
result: **10:56:40**
